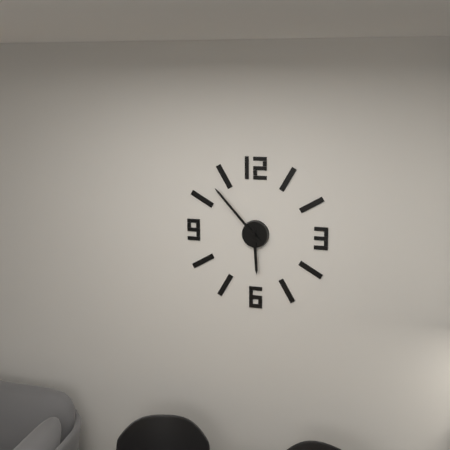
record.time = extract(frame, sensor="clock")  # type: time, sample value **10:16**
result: **5:53**
